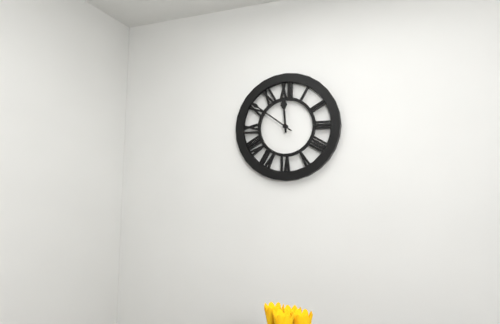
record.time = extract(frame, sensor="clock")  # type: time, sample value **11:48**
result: **11:51**
